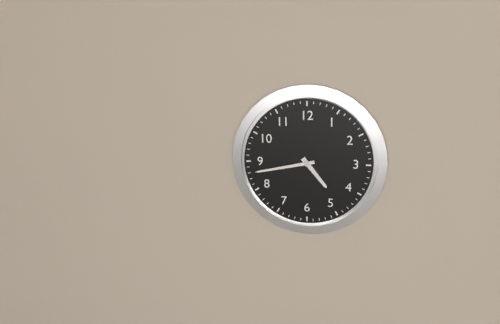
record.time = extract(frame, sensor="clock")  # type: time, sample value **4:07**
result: **4:43**
